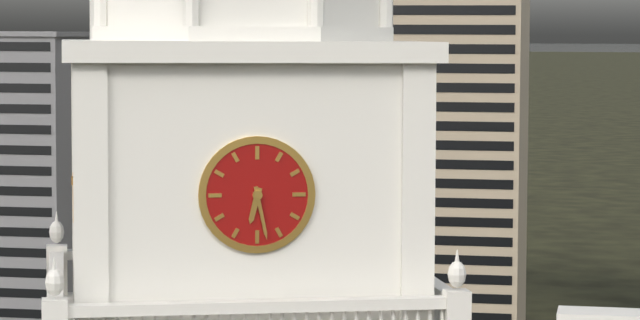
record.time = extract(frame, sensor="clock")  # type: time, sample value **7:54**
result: **6:28**
